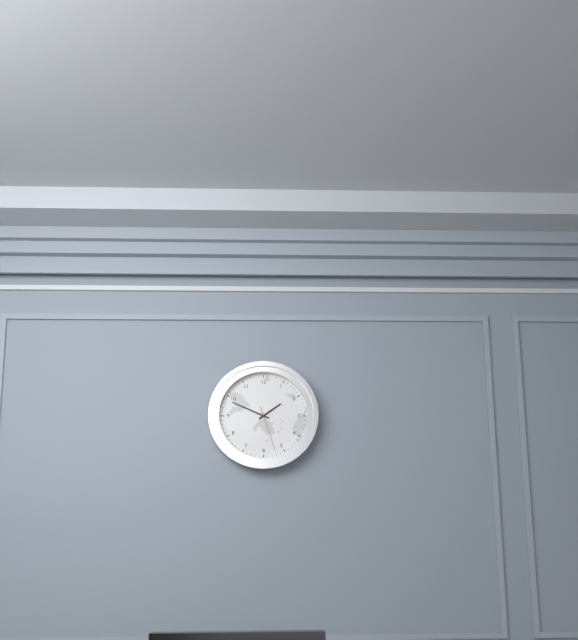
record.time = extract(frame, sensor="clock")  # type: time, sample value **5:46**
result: **1:49**
